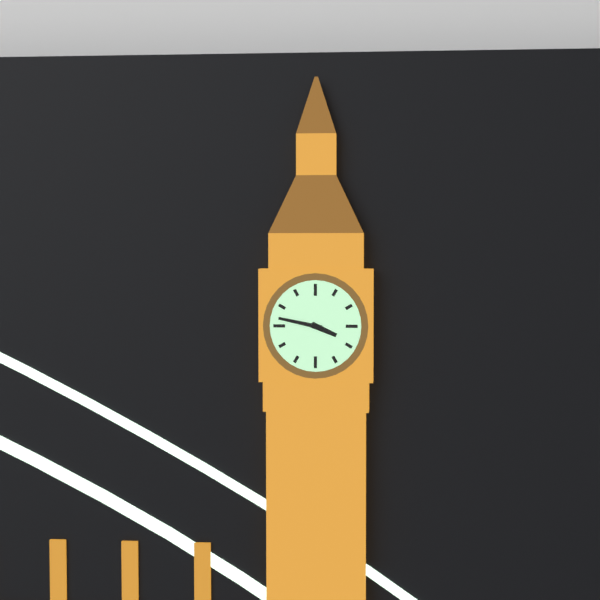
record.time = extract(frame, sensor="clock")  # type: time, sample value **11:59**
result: **3:47**
